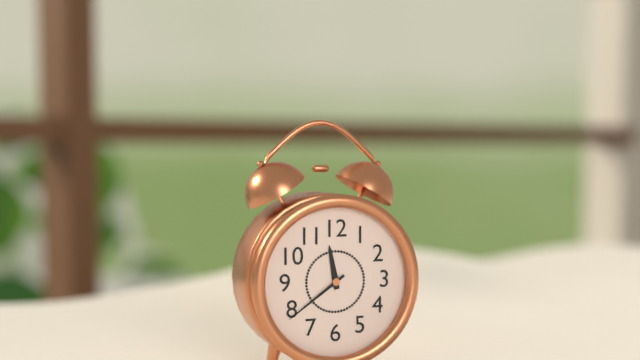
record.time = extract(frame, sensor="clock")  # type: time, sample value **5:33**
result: **11:39**
